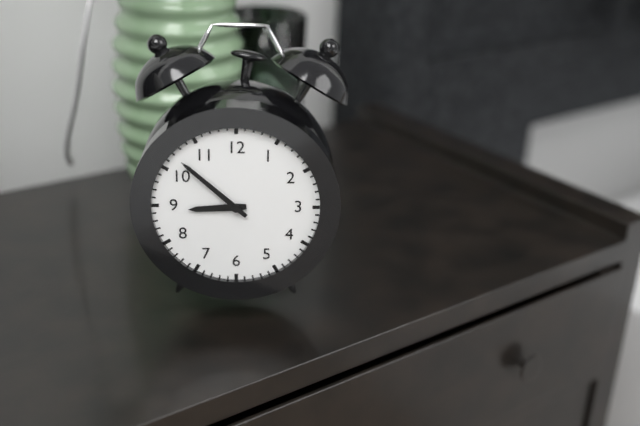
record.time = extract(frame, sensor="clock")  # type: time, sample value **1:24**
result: **8:52**
